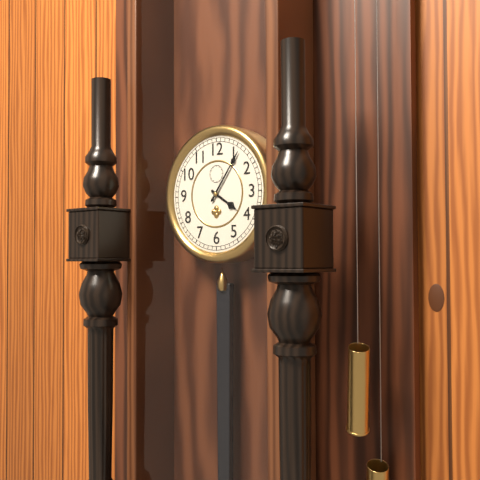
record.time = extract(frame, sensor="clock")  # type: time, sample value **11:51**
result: **4:06**
